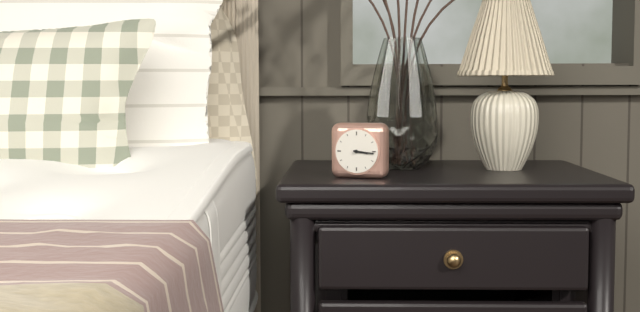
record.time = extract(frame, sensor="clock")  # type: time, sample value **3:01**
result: **3:16**
